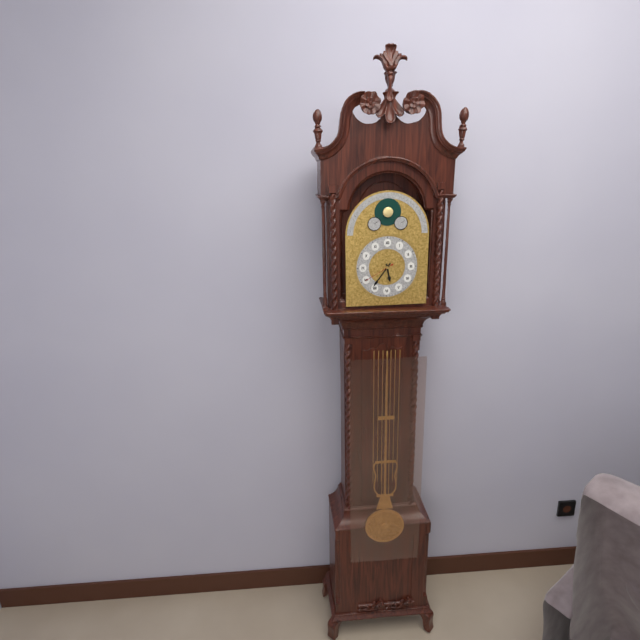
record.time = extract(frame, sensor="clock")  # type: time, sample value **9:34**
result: **5:36**
